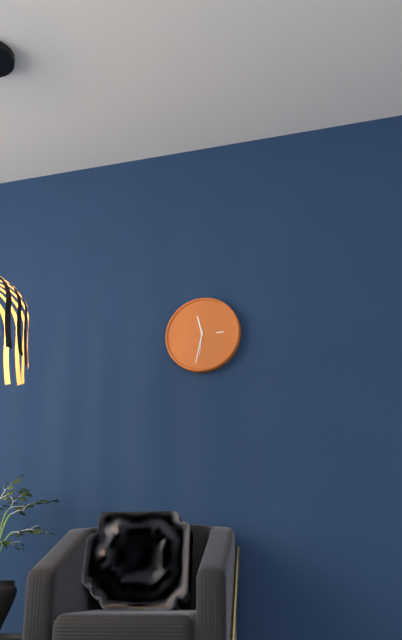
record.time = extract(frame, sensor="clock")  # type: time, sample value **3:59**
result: **11:32**
